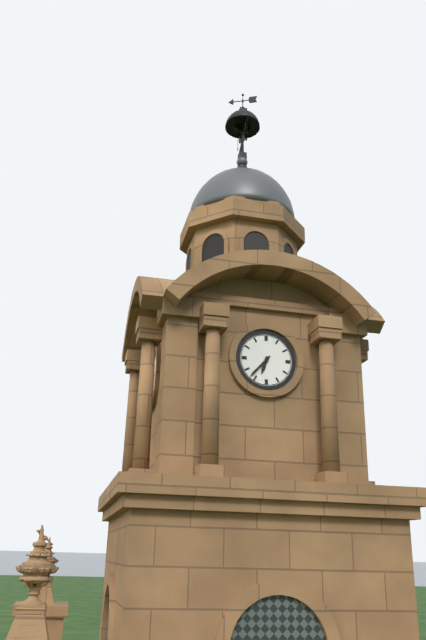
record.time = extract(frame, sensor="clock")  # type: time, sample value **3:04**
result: **6:37**
